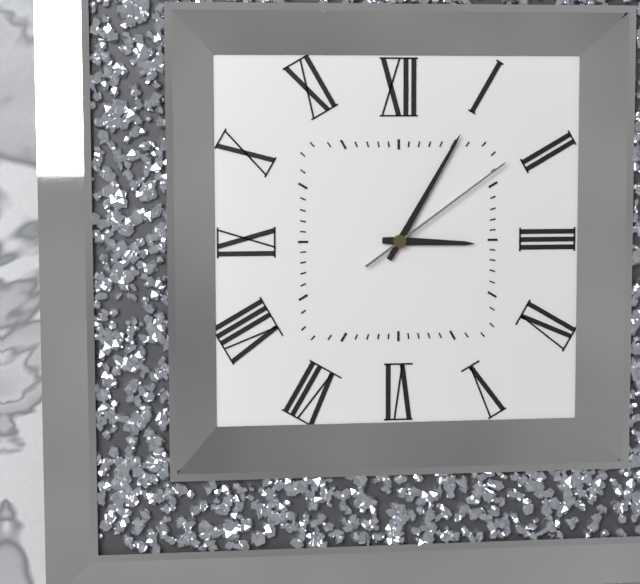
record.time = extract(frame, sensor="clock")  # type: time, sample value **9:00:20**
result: **3:05:09**
